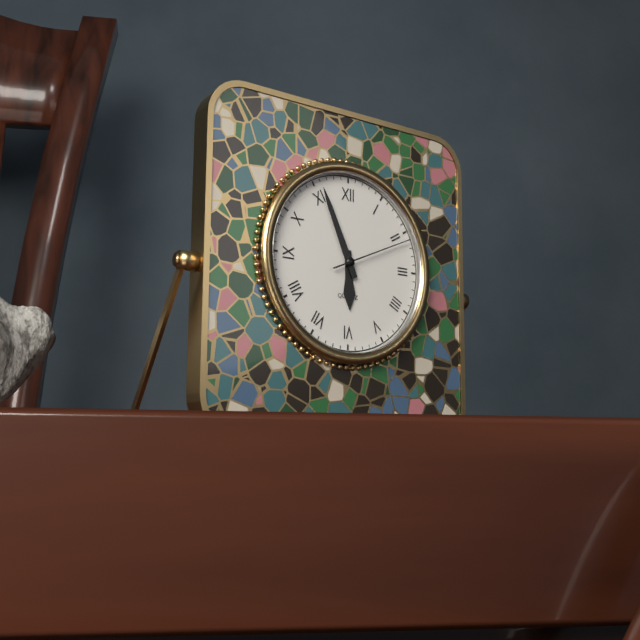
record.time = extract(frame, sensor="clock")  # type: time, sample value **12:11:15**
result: **5:56:11**
